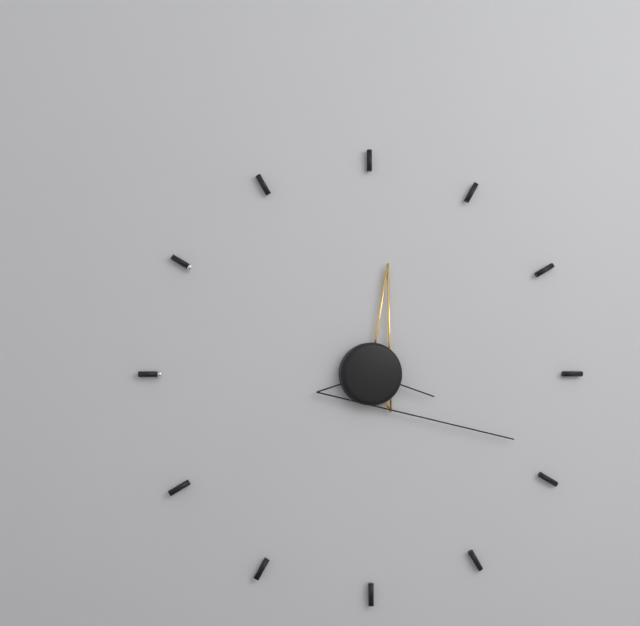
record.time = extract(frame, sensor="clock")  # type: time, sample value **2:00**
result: **12:19**
